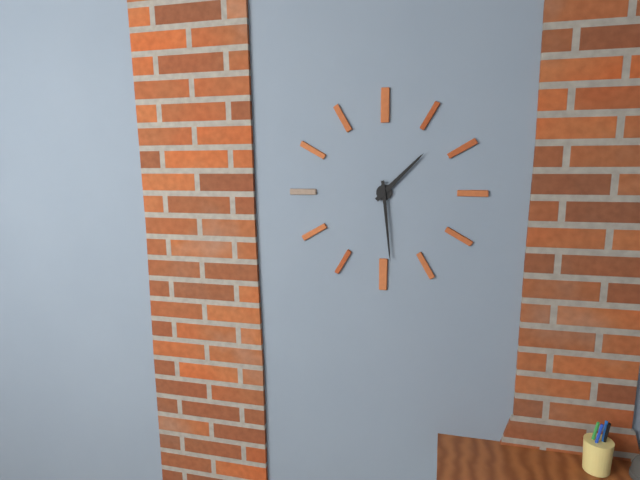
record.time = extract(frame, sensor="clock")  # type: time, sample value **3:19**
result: **1:29**
